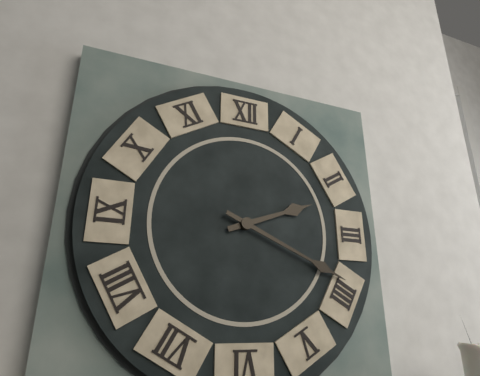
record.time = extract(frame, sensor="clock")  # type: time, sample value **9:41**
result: **2:19**
